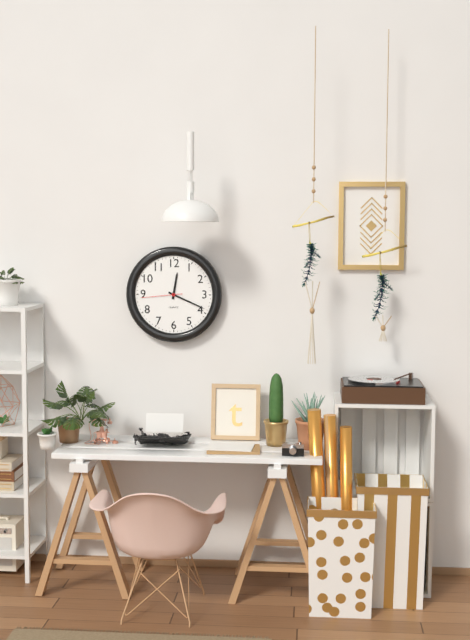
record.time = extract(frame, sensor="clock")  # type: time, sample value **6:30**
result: **12:19**
